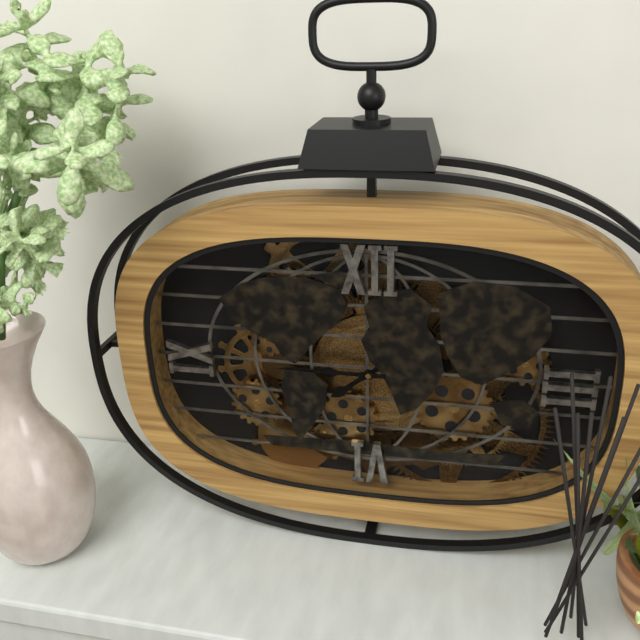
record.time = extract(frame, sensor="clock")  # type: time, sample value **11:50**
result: **7:45**
